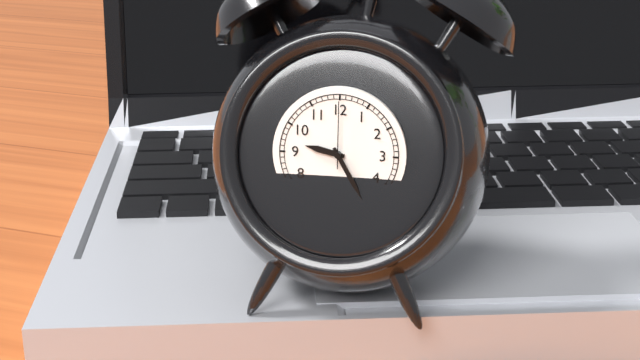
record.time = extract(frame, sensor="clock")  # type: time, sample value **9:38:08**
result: **9:25:00**
